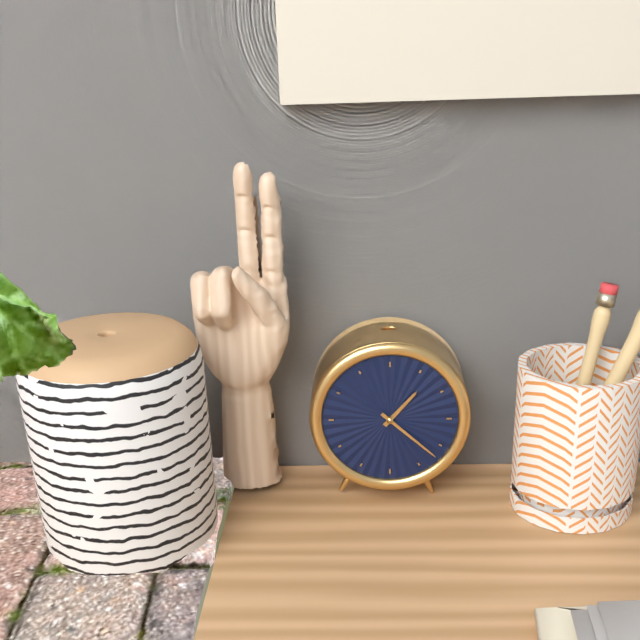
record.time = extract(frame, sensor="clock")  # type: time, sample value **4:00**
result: **1:22**
